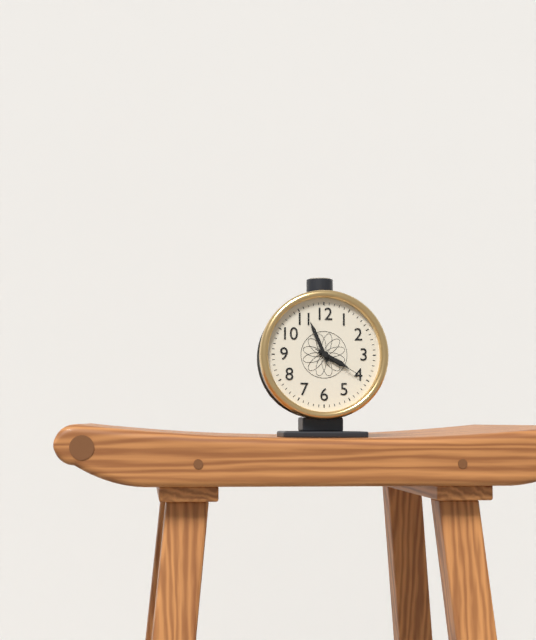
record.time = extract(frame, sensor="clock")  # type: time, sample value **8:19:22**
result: **3:56:20**
